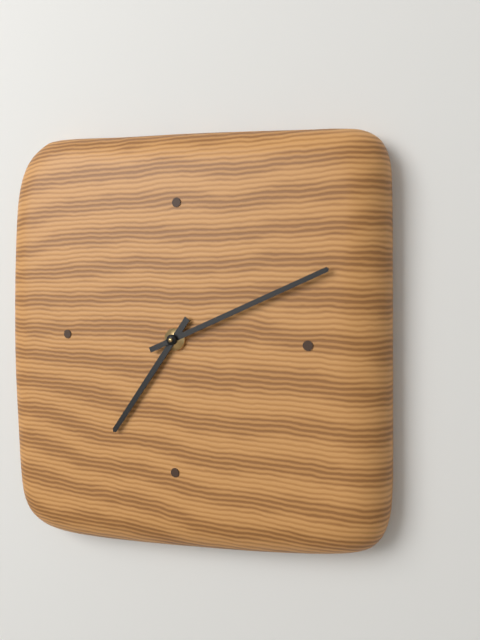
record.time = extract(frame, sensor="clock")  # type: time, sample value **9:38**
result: **7:11**
